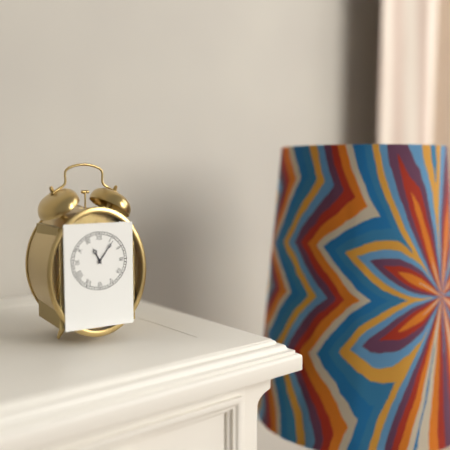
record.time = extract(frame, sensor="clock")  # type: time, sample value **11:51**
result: **11:06**
